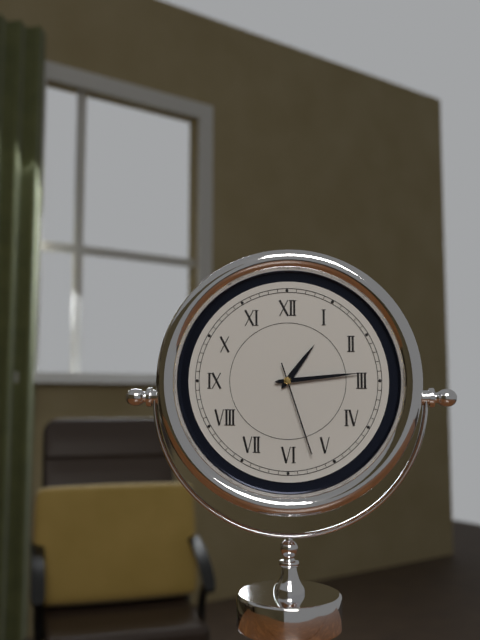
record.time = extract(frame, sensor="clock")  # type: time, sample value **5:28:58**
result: **1:14:27**
